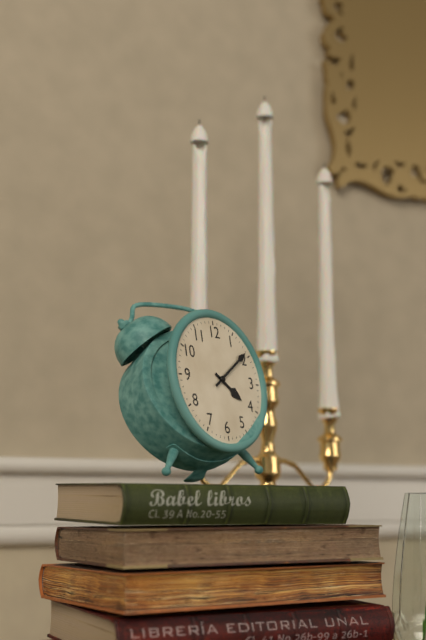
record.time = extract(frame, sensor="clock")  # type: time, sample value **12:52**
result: **4:09**
